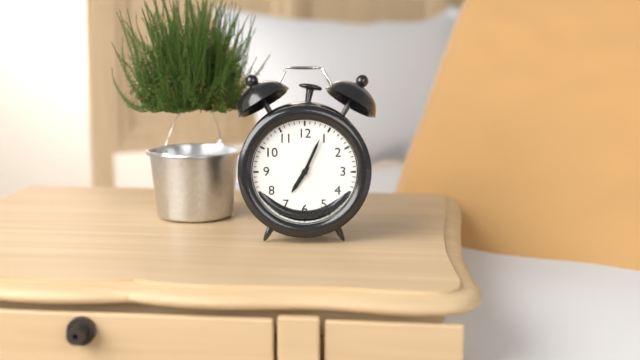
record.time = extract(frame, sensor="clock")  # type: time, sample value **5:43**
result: **7:04**
